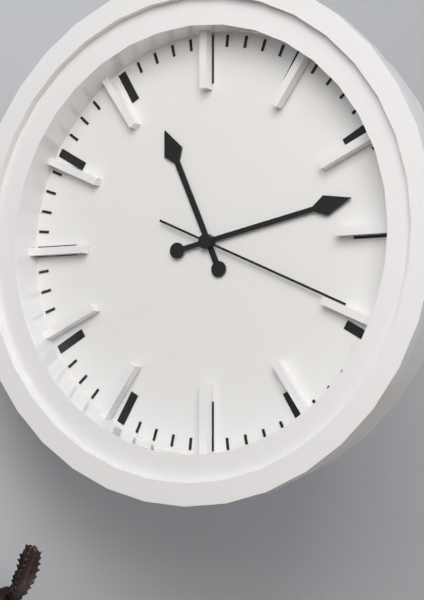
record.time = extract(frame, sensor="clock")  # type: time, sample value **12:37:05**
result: **11:13:19**
